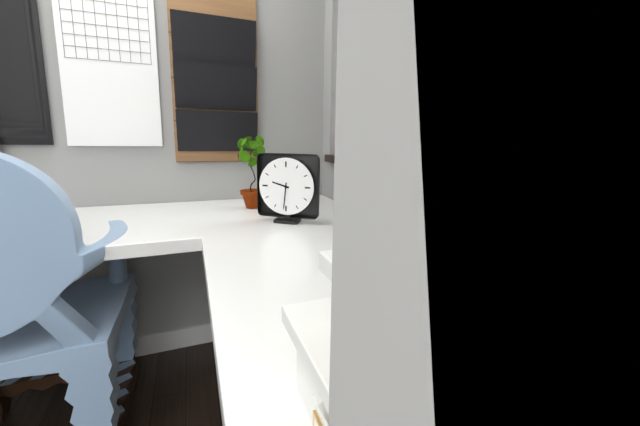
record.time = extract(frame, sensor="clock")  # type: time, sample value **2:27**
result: **9:31**
